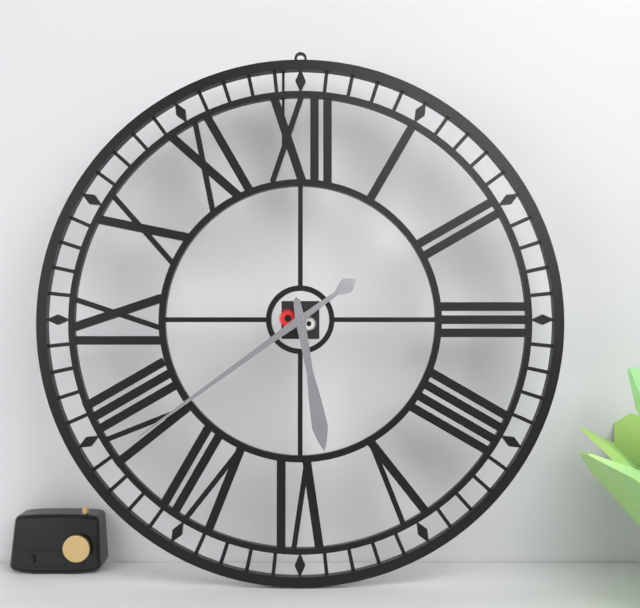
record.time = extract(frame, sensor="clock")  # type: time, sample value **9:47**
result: **5:39**
